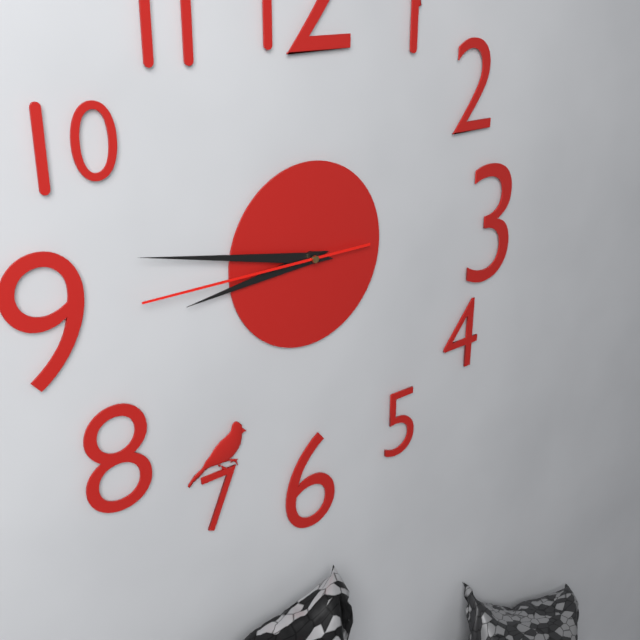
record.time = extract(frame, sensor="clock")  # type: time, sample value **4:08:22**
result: **8:47:45**
